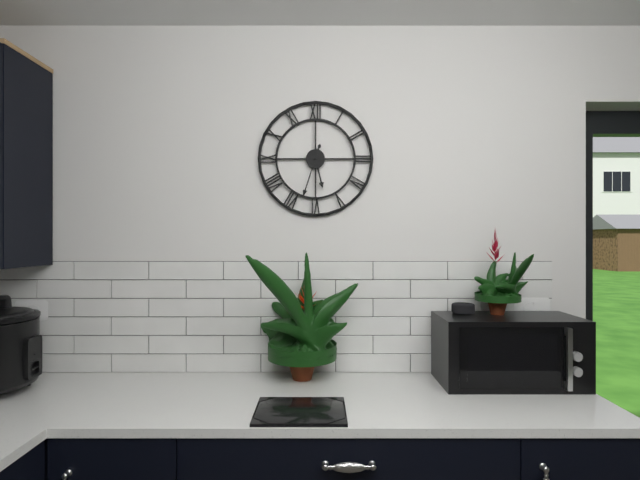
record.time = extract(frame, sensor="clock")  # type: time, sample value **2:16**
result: **5:33**
